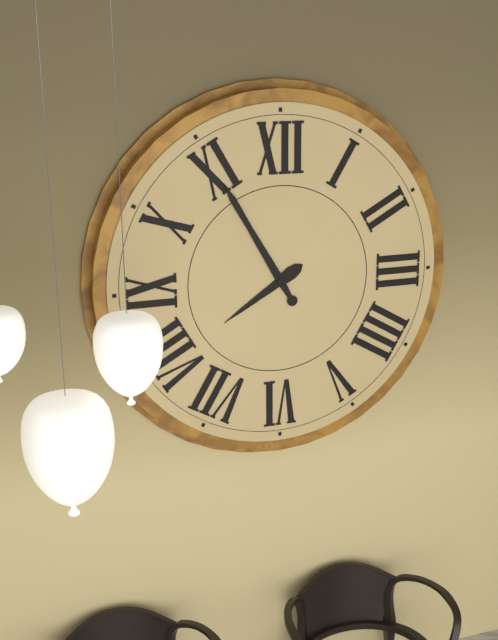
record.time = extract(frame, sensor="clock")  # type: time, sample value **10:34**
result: **7:55**
